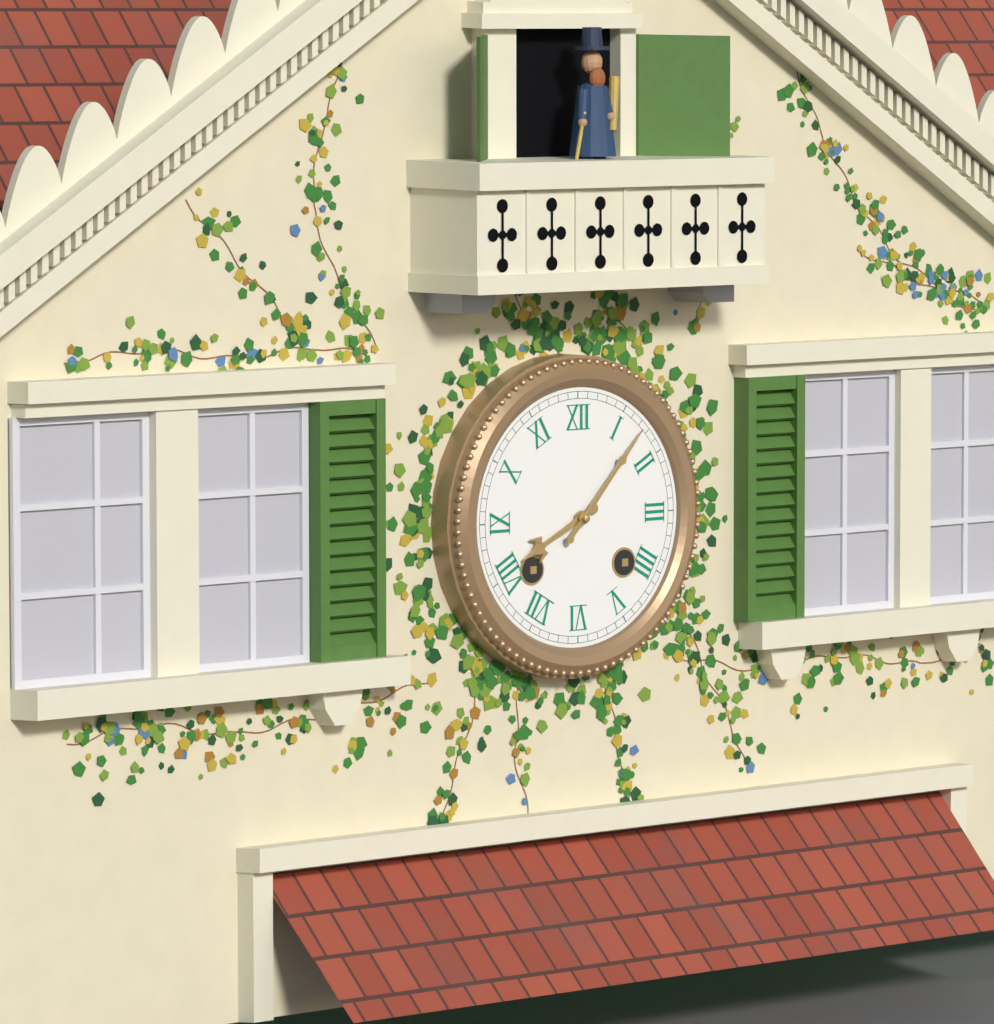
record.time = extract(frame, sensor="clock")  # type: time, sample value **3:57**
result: **8:07**
